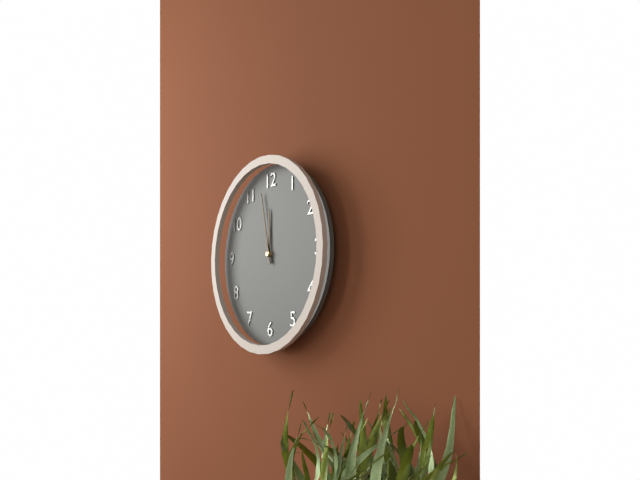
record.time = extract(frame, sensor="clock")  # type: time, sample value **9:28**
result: **11:58**
